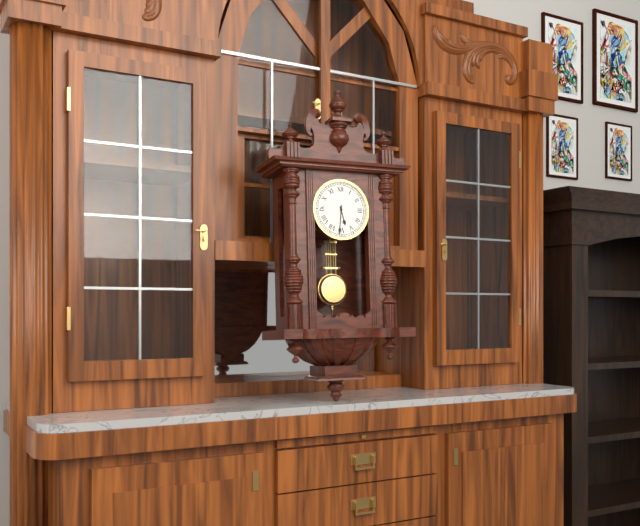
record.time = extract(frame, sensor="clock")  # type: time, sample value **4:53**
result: **5:31**
